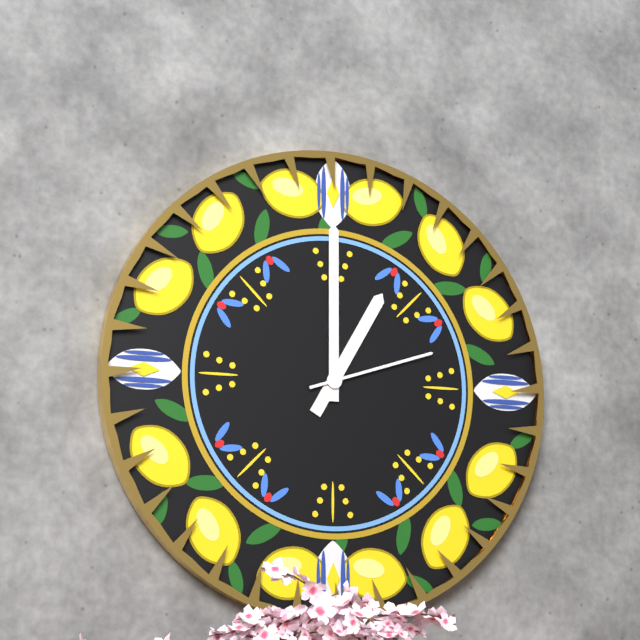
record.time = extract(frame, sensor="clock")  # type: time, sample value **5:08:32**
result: **1:00:12**
